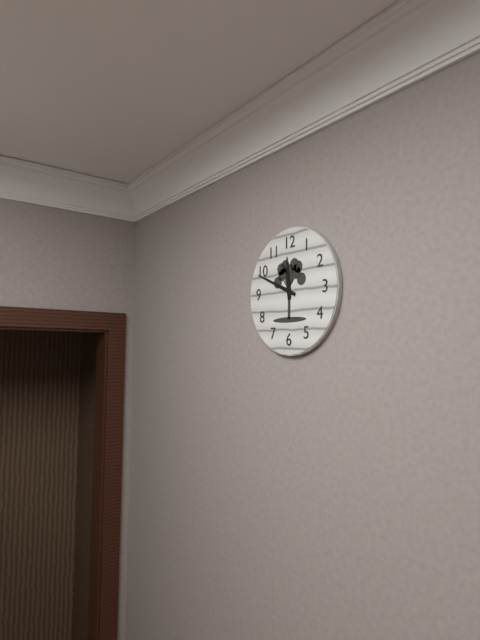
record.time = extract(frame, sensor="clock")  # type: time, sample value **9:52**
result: **11:49**
